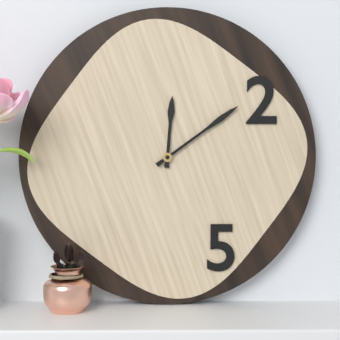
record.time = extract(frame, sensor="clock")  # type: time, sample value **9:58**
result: **12:09**
